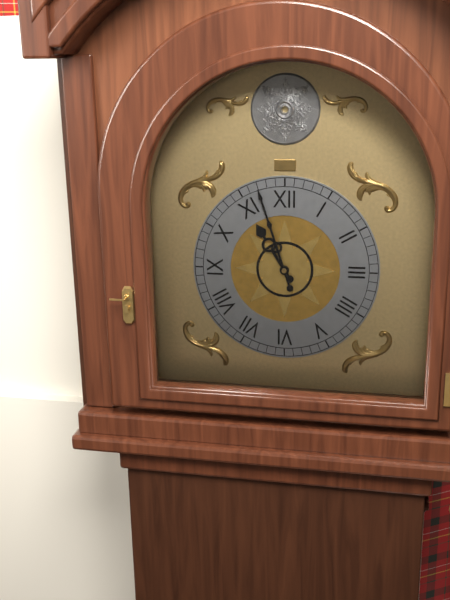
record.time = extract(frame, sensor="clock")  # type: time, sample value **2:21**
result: **10:57**
